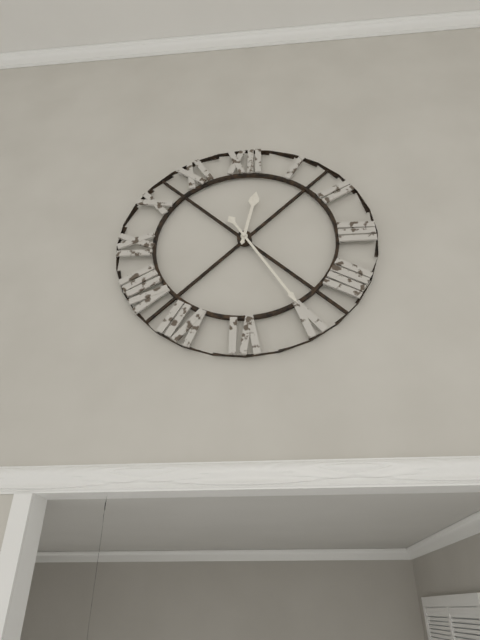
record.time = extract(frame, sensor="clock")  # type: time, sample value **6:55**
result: **12:25**
